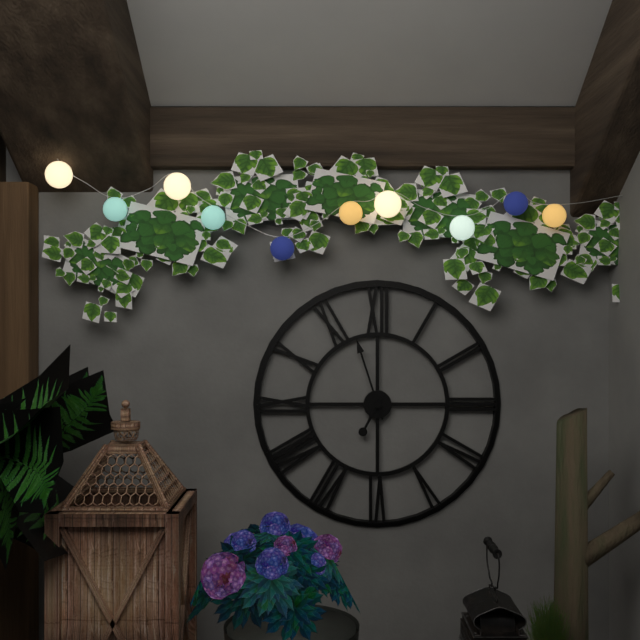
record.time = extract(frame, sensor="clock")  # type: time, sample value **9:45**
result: **6:57**
